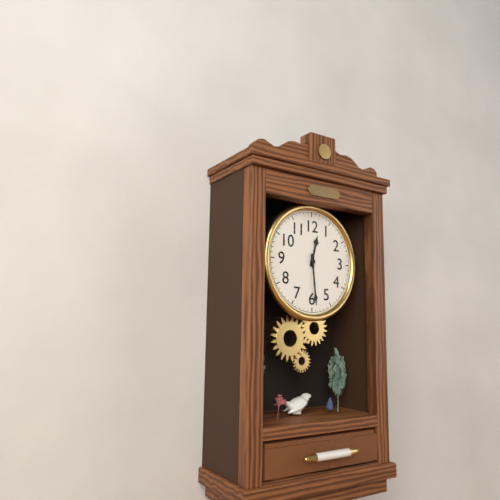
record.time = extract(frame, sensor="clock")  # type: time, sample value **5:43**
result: **12:29**
